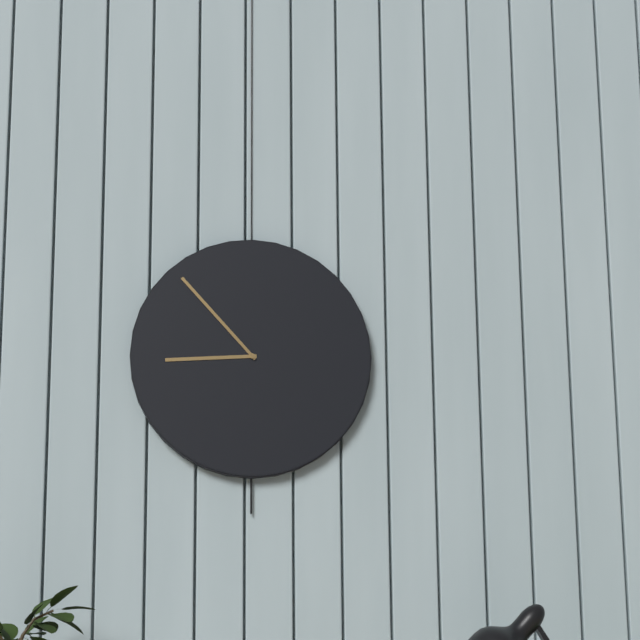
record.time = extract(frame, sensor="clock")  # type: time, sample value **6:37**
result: **8:53**
